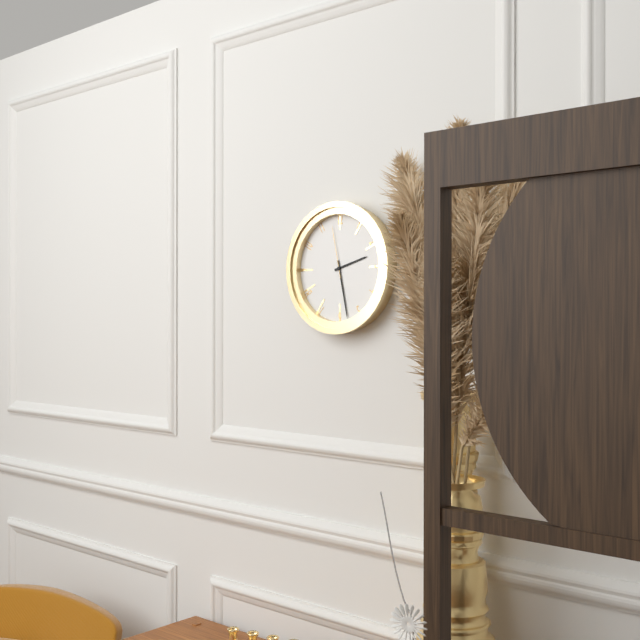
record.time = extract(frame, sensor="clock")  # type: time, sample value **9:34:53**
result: **2:28:58**
